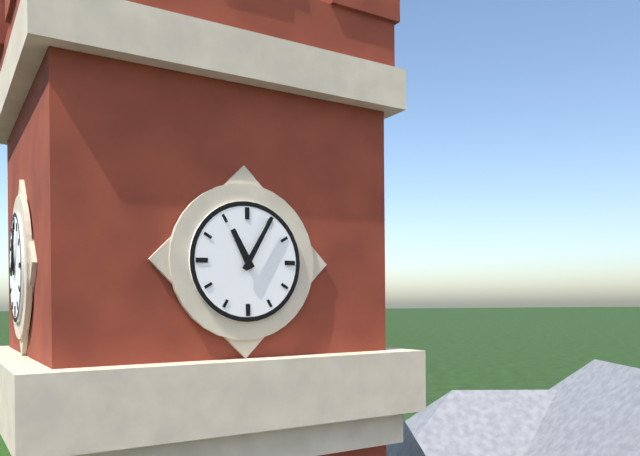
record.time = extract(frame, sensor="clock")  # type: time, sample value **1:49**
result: **11:05**
